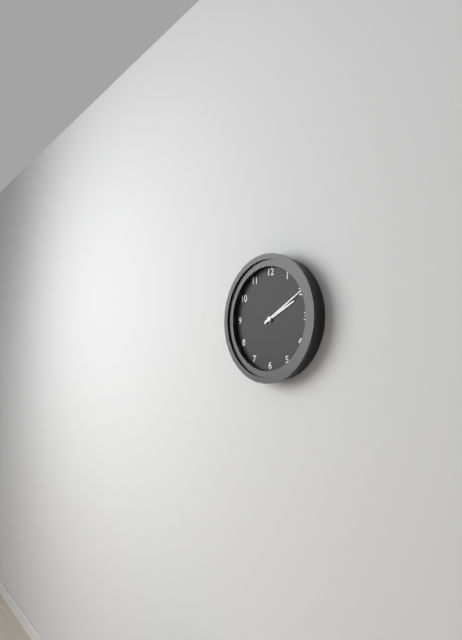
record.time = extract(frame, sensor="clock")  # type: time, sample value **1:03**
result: **2:10**
